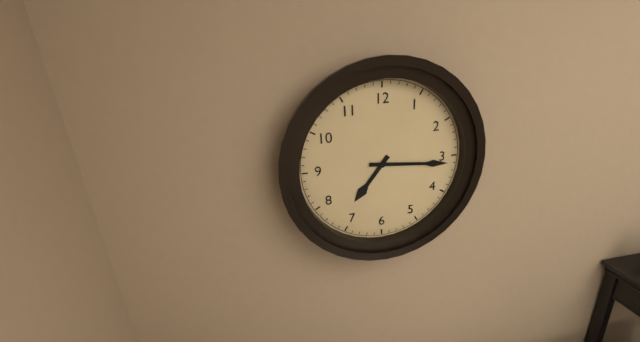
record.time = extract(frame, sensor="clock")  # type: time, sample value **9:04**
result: **7:16**
